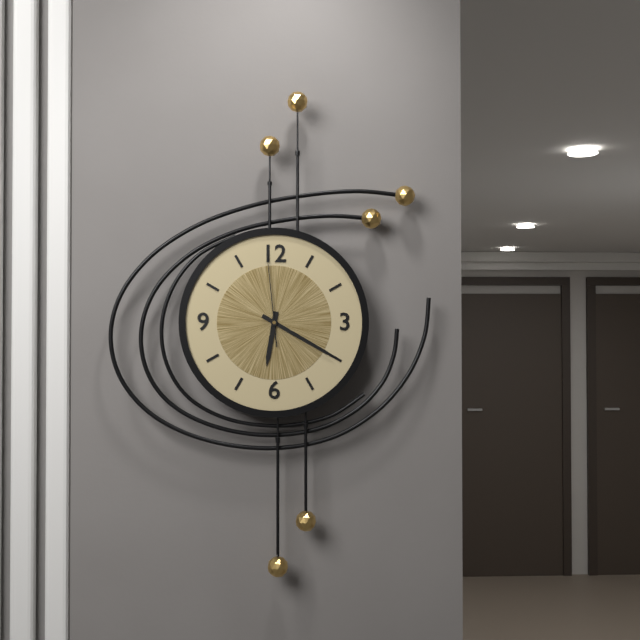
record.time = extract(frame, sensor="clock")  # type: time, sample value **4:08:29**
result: **6:20:59**
